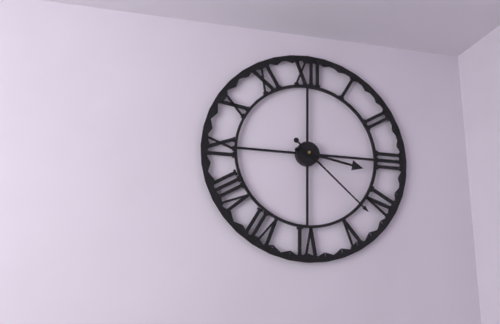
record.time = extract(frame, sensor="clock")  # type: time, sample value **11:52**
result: **3:22**
